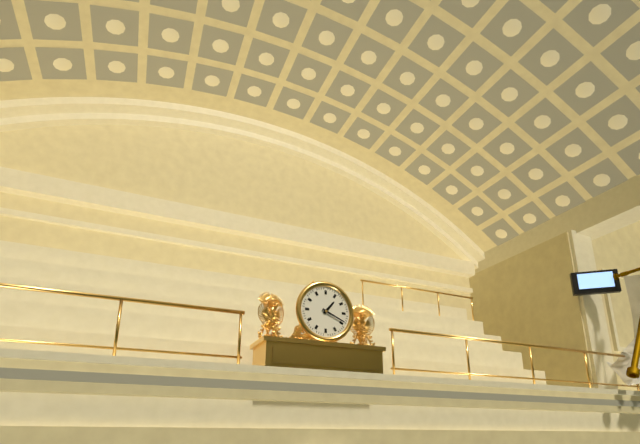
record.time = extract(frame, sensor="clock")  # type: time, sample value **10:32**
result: **1:19**
